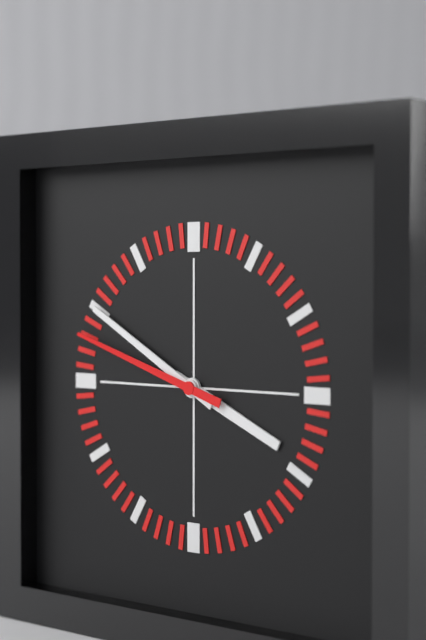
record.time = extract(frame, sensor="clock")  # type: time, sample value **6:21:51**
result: **3:50:48**
